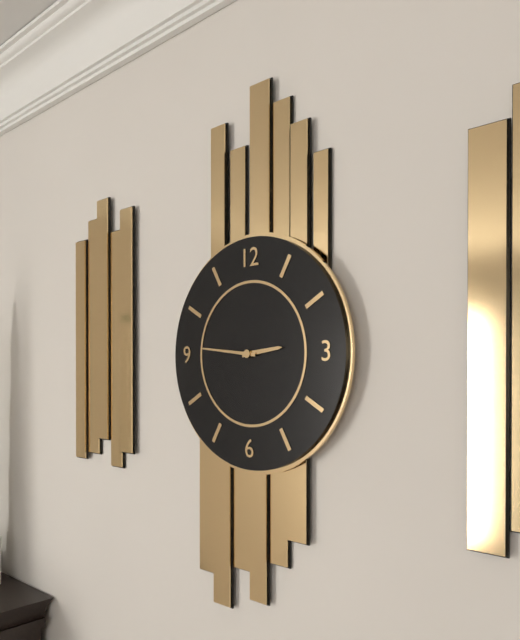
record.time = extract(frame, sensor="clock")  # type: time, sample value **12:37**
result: **2:46**
